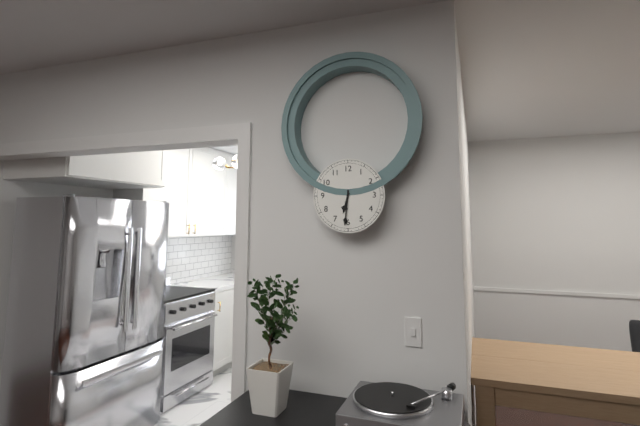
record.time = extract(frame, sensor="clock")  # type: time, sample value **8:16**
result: **6:31**
